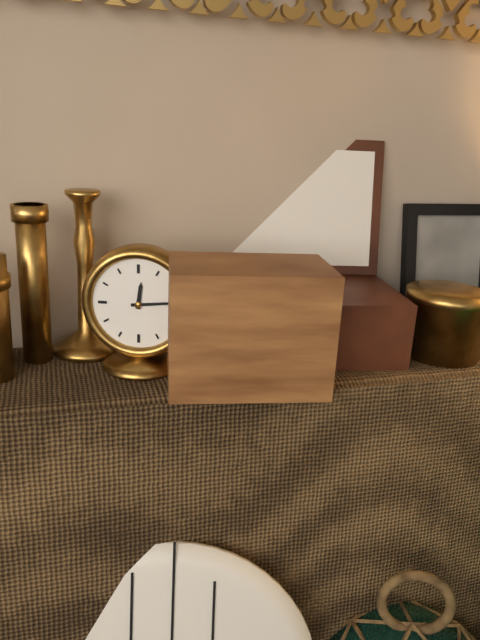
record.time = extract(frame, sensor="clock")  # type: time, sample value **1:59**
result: **12:14**
